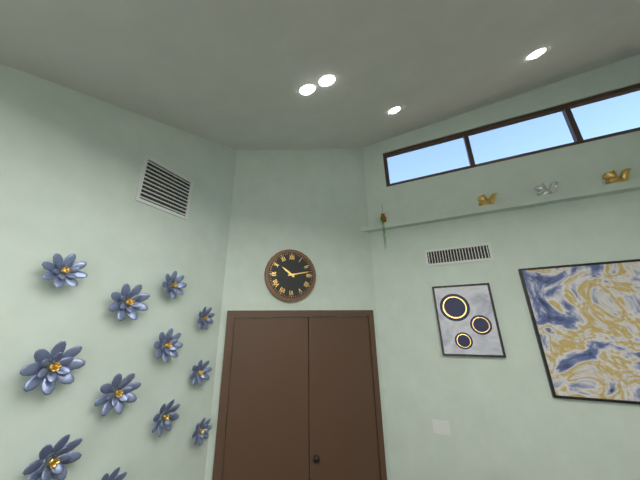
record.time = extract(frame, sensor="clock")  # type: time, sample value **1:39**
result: **10:13**
